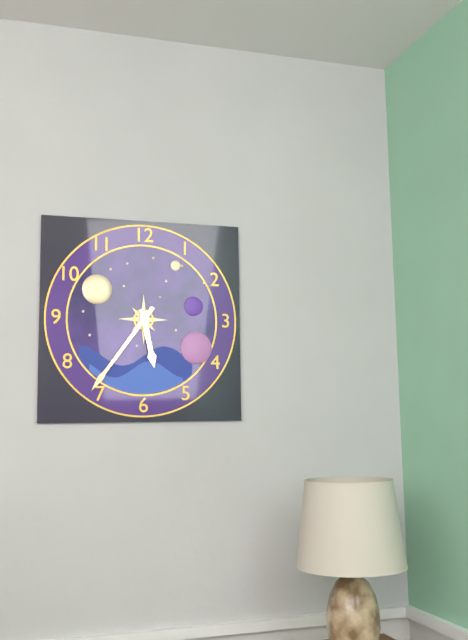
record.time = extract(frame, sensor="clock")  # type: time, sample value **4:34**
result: **5:36**
